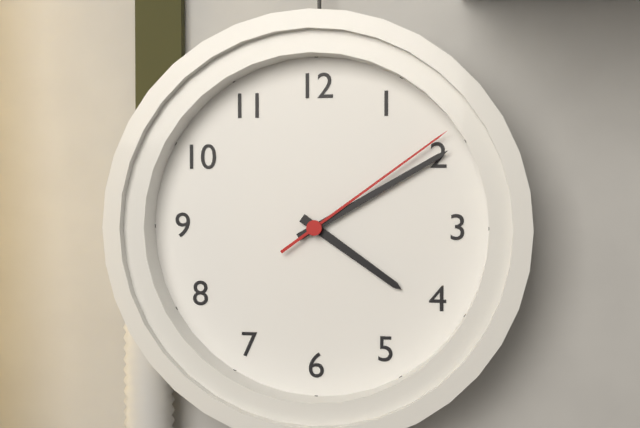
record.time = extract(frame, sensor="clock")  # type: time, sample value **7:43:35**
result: **4:10:09**
